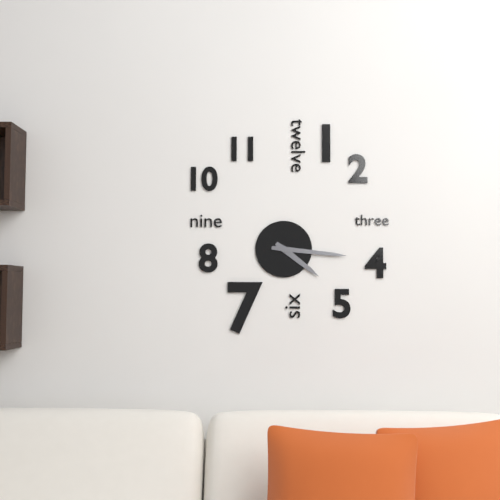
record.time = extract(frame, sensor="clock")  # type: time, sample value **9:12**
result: **4:16**
